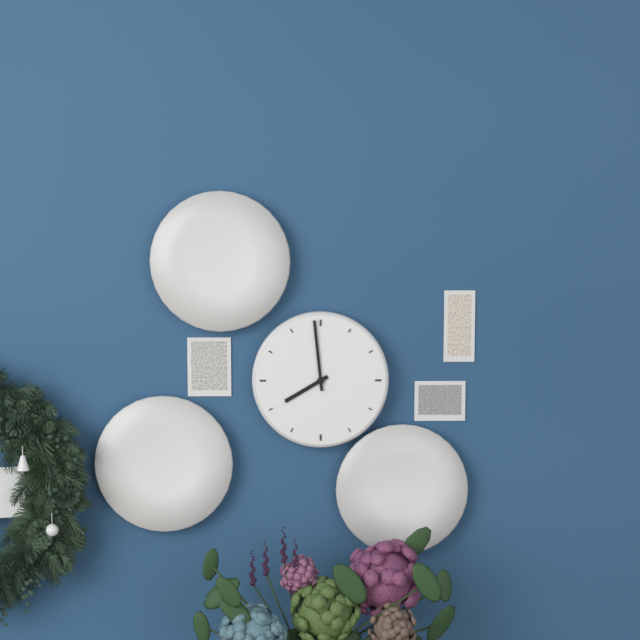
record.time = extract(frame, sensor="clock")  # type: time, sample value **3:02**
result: **7:59**
